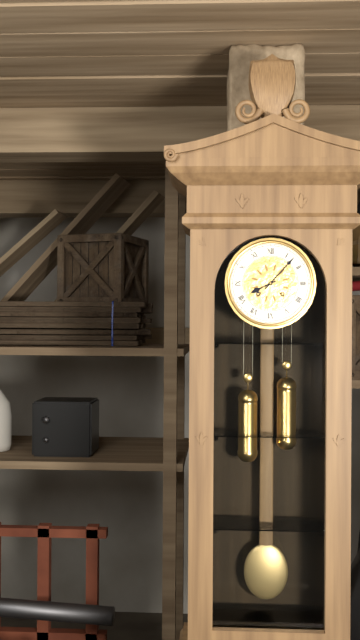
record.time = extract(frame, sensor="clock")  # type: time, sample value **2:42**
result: **8:07**
